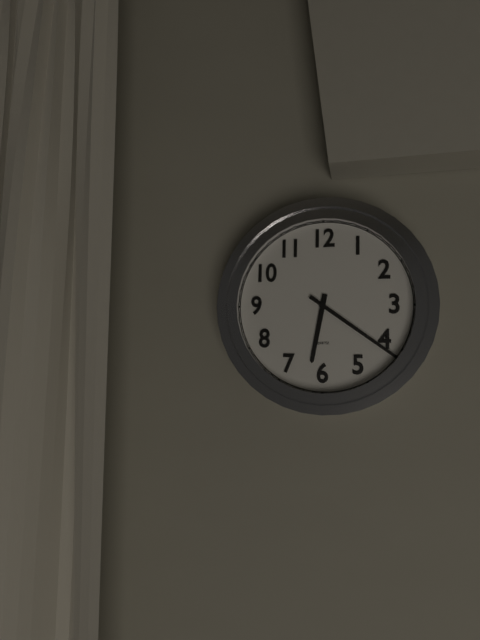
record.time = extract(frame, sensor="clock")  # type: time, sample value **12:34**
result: **6:21**
